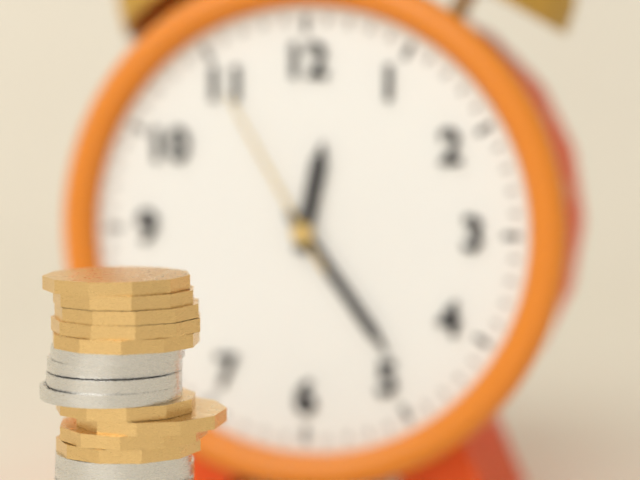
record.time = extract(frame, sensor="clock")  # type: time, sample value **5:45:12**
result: **12:24:55**
